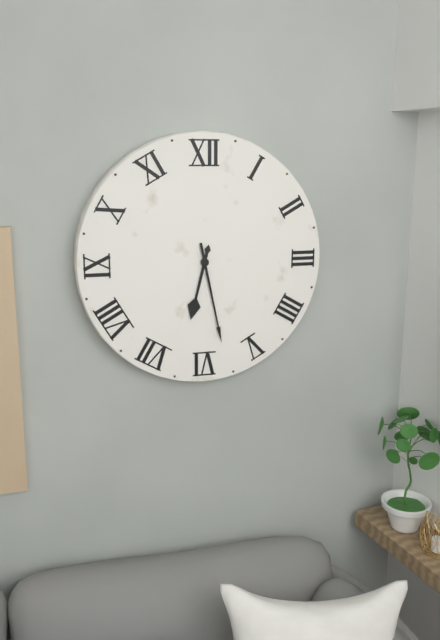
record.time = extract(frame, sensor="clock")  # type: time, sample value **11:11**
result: **6:28**
